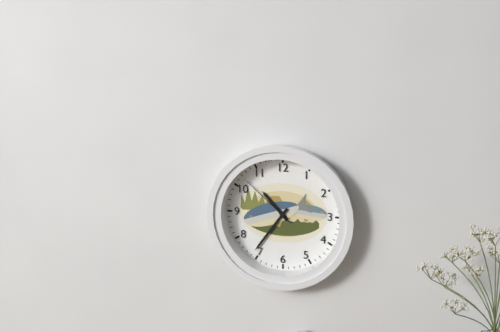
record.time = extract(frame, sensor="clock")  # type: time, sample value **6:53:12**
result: **10:36:52**
